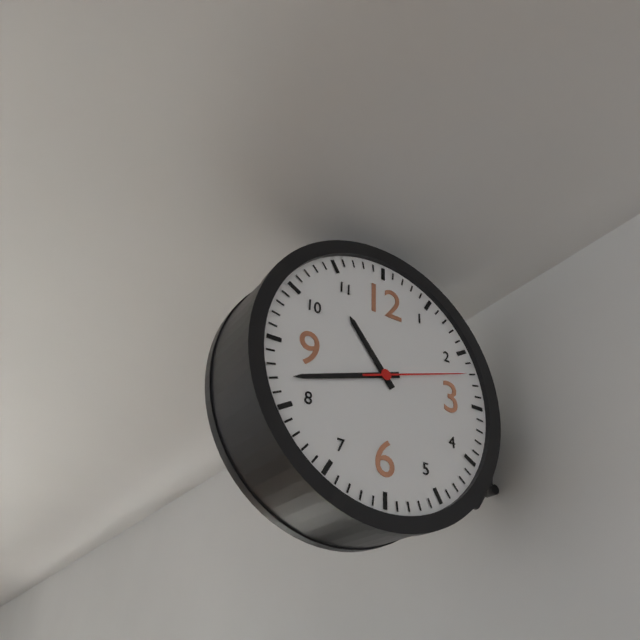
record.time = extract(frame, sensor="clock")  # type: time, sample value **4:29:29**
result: **10:42:12**
